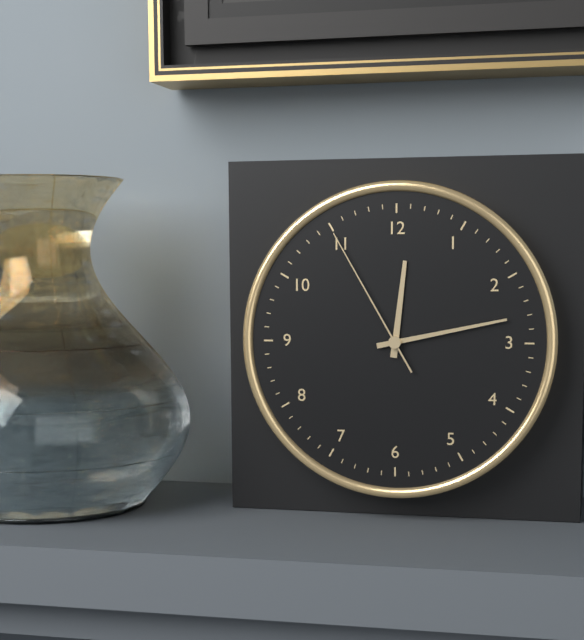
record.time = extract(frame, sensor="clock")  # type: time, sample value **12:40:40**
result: **12:13:55**
